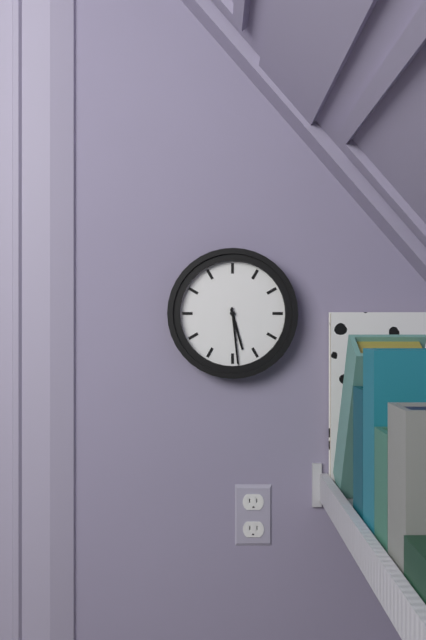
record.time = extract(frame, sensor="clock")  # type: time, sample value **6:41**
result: **5:29**
